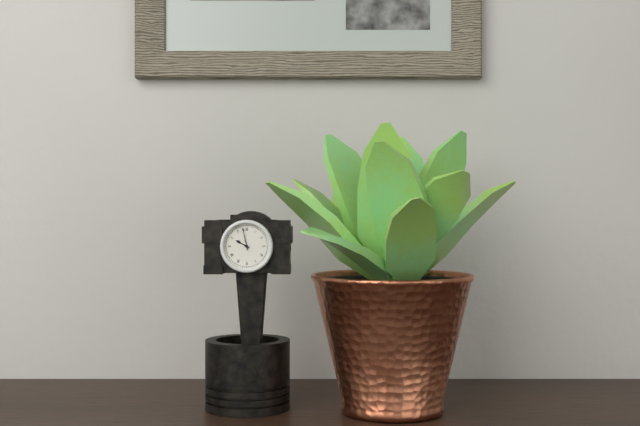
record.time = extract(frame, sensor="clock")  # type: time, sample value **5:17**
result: **9:58**
